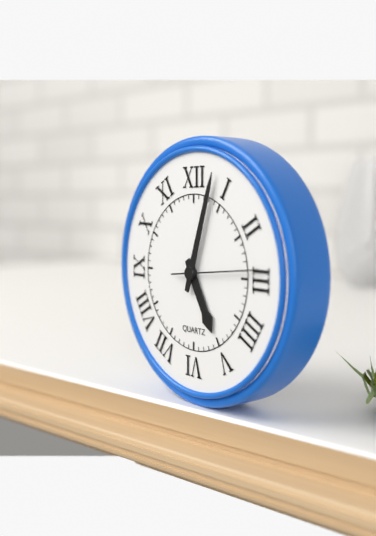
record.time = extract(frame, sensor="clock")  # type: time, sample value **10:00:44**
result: **5:03:14**
